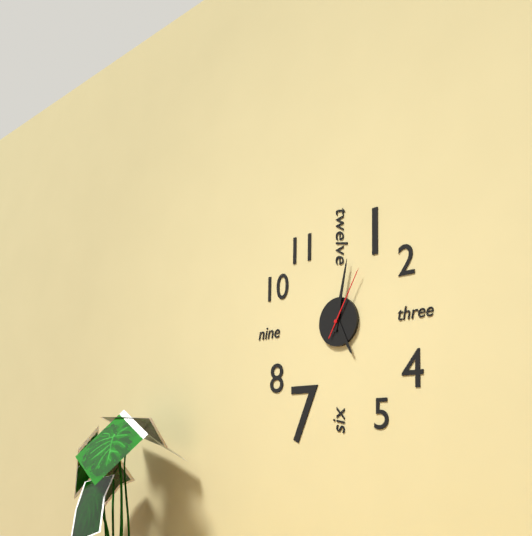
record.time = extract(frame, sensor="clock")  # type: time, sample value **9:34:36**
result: **5:02:05**
